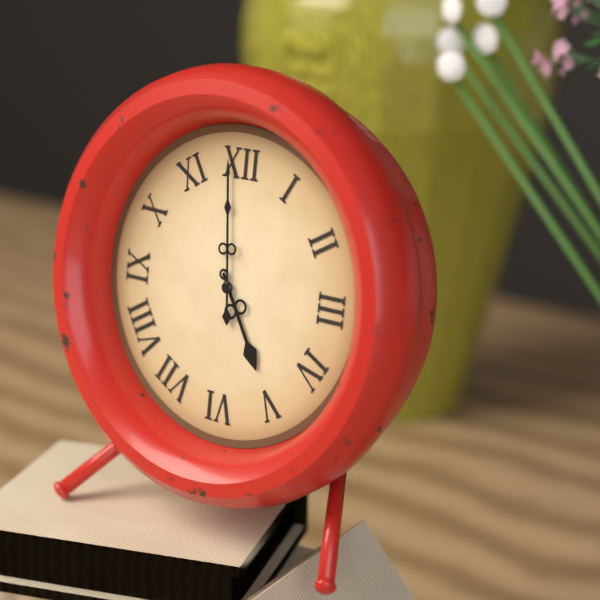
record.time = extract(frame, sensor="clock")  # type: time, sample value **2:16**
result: **4:59**
